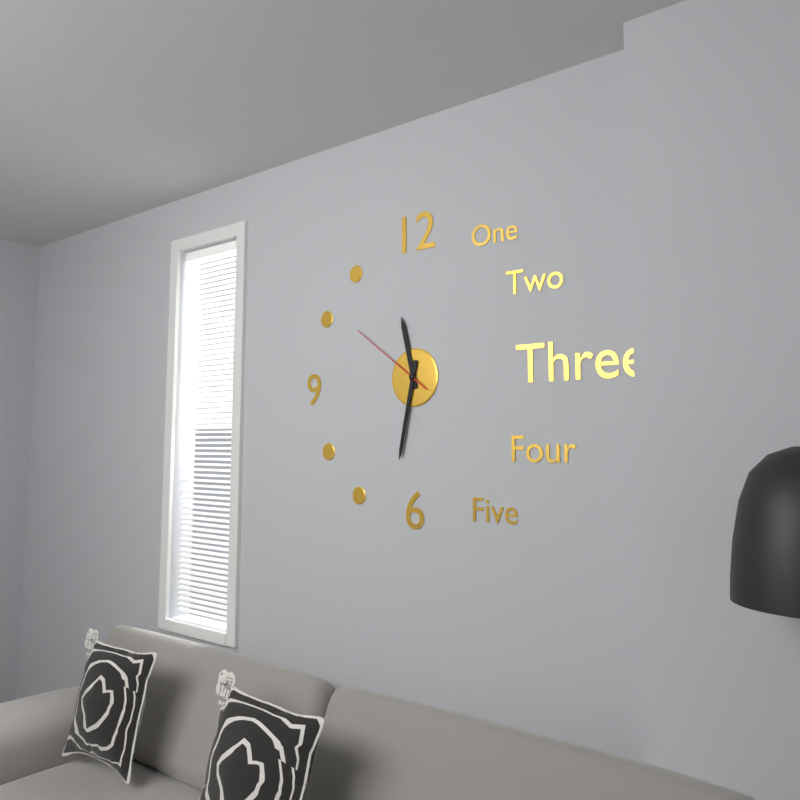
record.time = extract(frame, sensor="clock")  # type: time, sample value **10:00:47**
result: **11:32:51**
